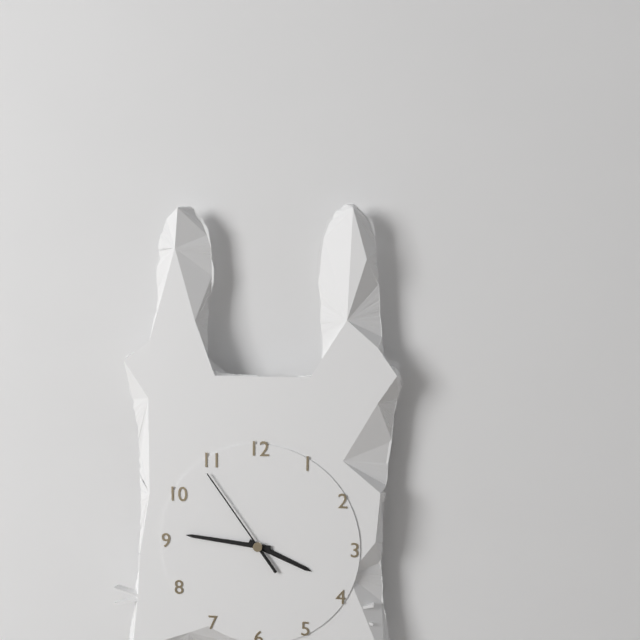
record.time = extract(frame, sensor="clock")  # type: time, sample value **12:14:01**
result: **3:46:54**
